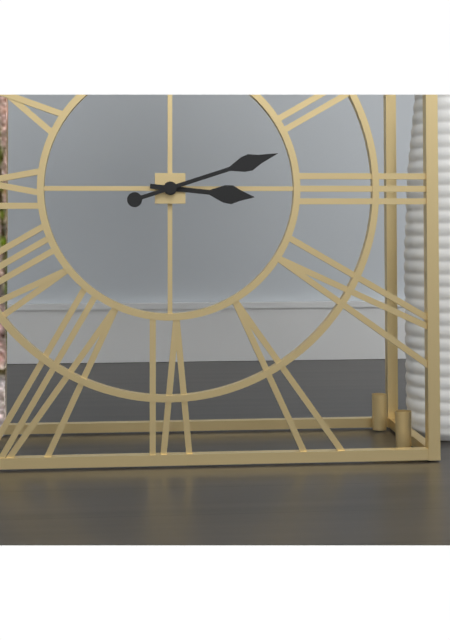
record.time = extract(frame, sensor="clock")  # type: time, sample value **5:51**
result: **3:12**
